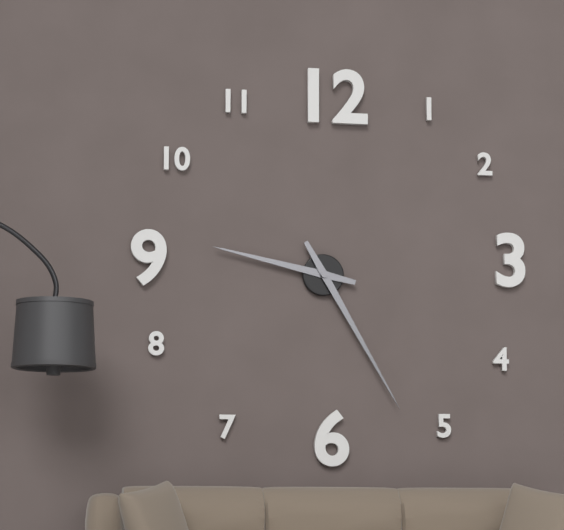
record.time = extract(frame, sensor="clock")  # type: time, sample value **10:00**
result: **9:25**
